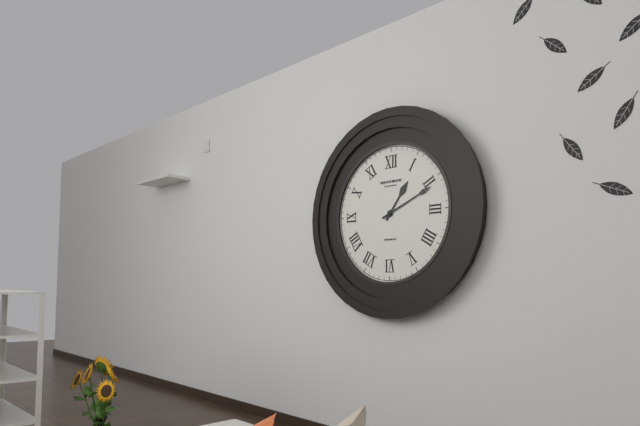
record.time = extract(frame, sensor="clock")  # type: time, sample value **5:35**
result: **1:11**
